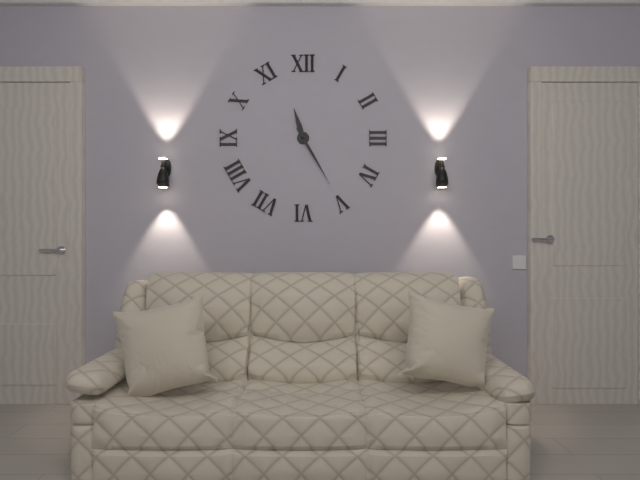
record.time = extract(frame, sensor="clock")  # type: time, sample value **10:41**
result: **11:25**
